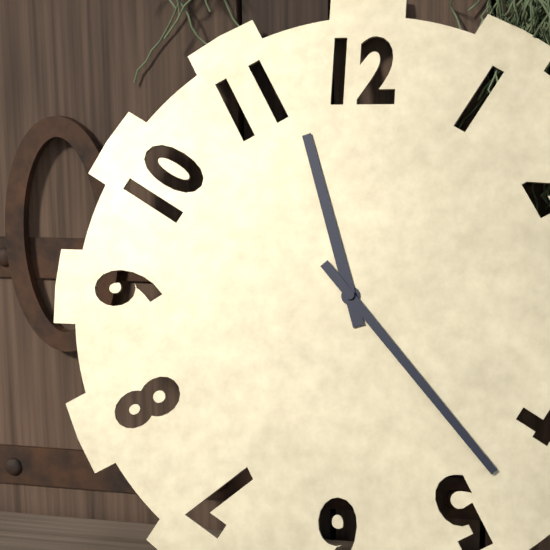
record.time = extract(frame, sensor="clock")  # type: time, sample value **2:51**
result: **11:23**
